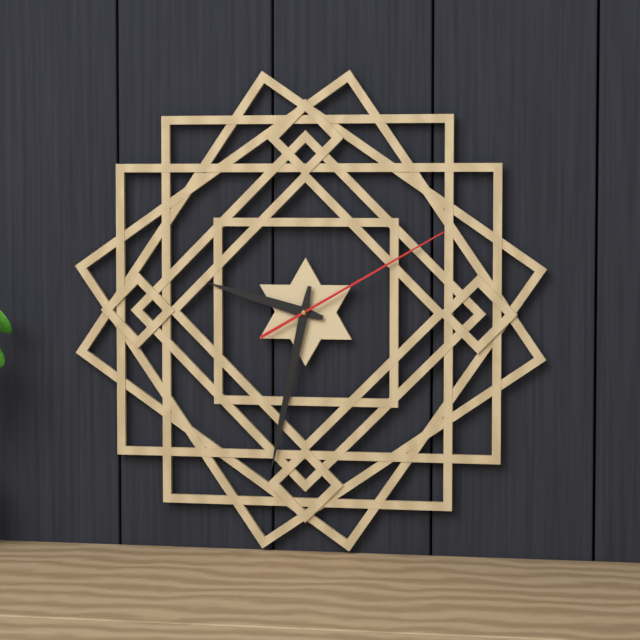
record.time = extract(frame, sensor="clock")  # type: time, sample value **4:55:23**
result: **9:32:10**
